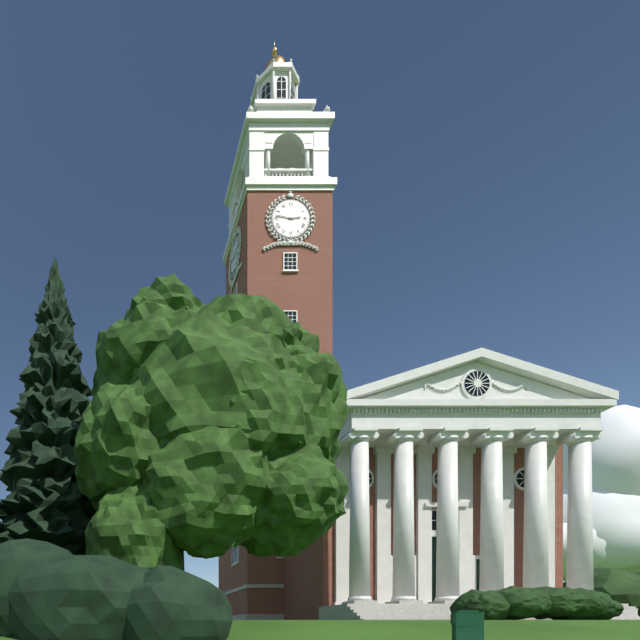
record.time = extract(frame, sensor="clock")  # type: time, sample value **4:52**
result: **2:47**
